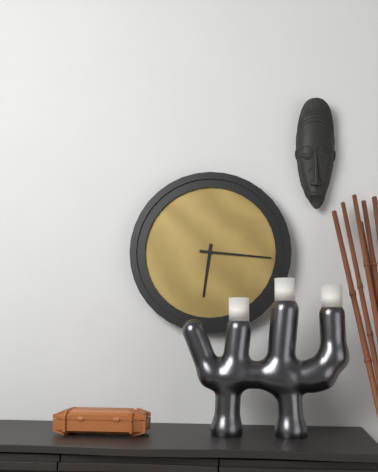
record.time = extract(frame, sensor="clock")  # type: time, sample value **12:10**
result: **6:16**
